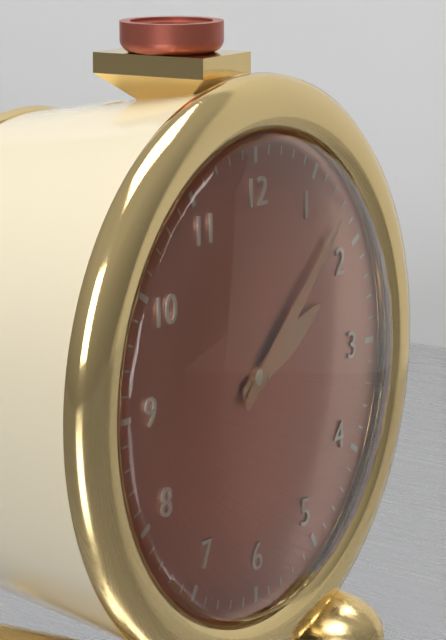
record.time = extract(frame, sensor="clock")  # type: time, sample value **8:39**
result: **2:08**
